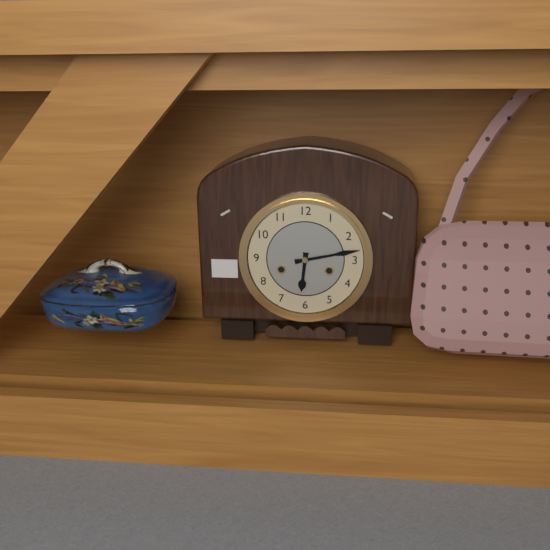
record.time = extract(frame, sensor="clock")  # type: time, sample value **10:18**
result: **6:13**
